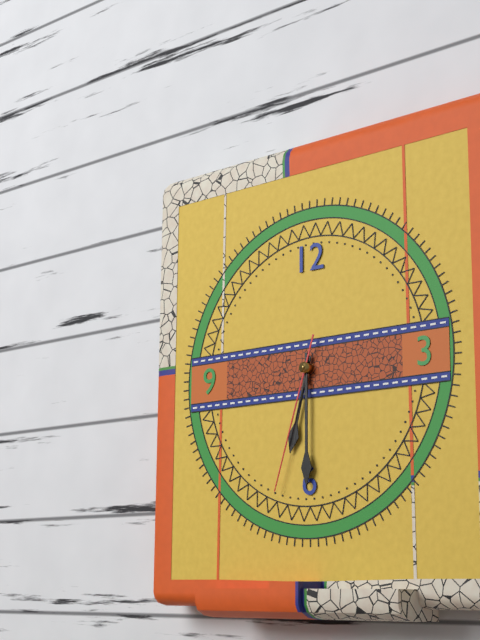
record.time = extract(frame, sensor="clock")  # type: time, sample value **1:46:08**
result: **6:30:33**
